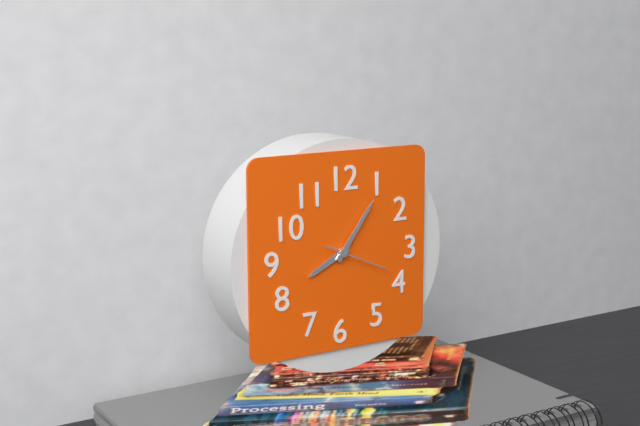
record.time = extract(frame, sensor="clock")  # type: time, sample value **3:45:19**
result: **8:06:19**
